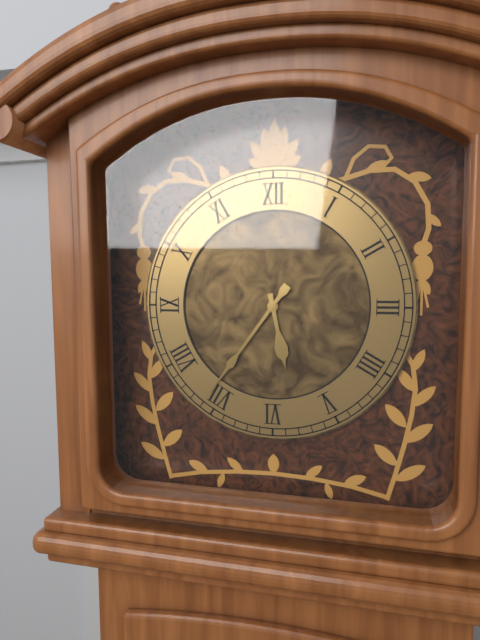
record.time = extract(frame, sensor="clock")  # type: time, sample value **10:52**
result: **5:36**
